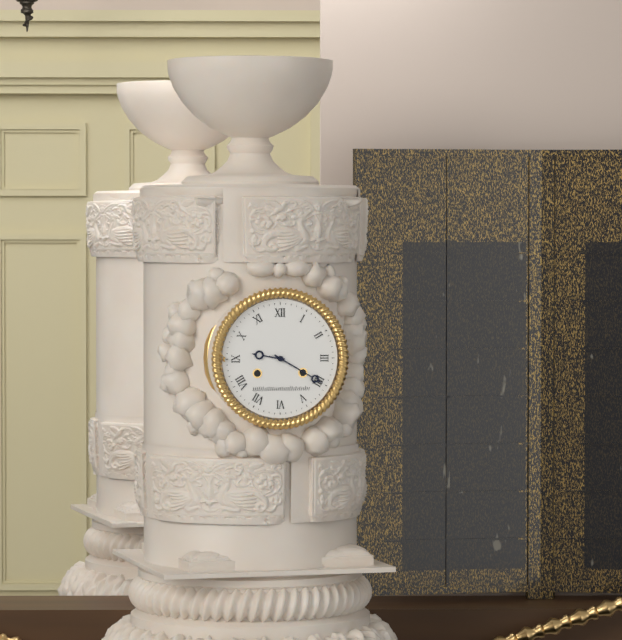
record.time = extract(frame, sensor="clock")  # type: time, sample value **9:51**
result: **9:20**
